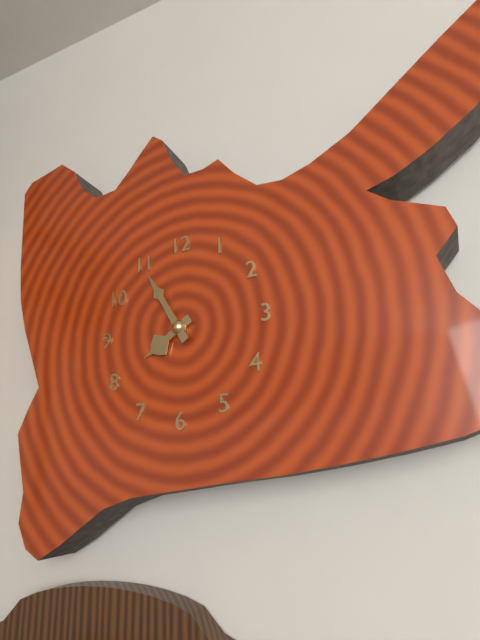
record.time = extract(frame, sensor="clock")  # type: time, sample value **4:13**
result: **7:55**
